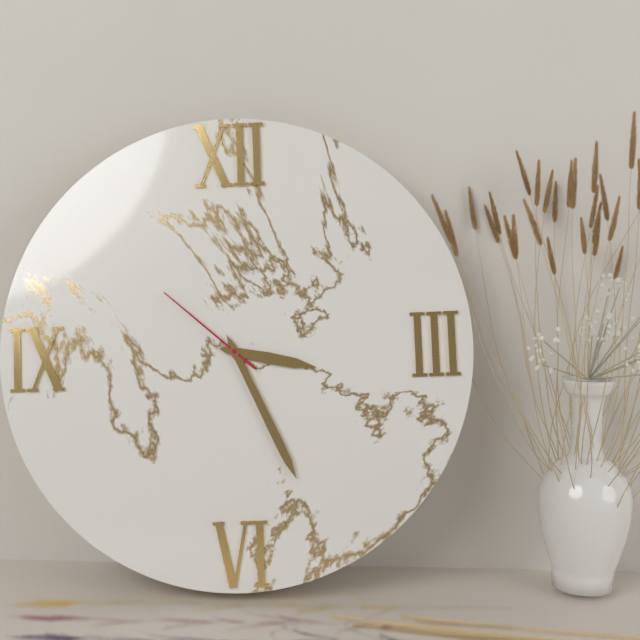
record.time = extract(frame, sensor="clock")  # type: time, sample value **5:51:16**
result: **3:26:52**
